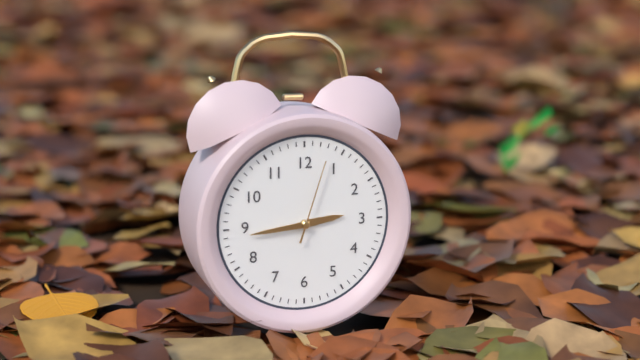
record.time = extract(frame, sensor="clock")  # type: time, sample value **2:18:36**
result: **2:44:03**
